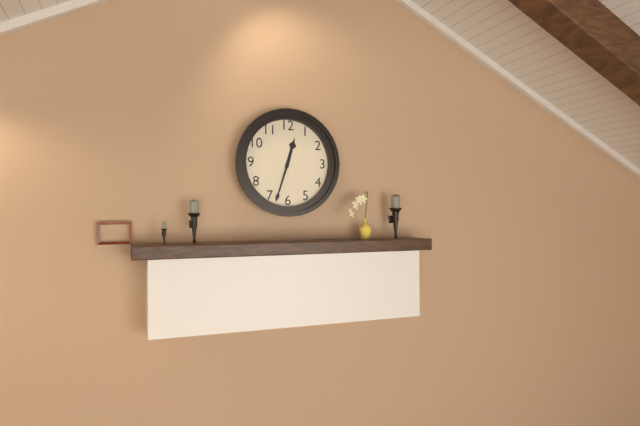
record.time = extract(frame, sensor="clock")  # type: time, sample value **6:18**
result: **12:33**
